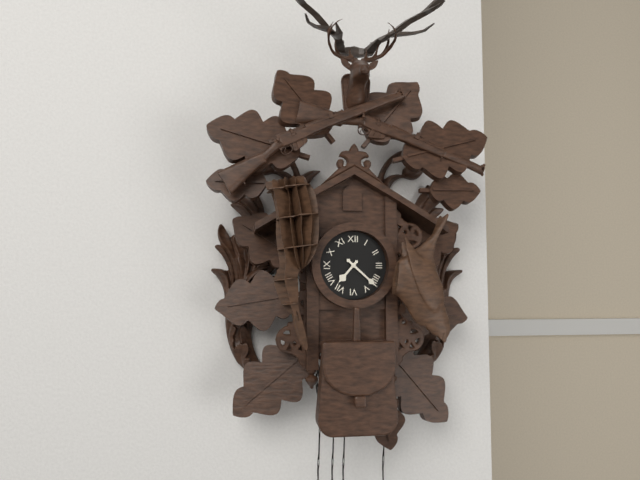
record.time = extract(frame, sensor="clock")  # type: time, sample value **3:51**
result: **7:22**
